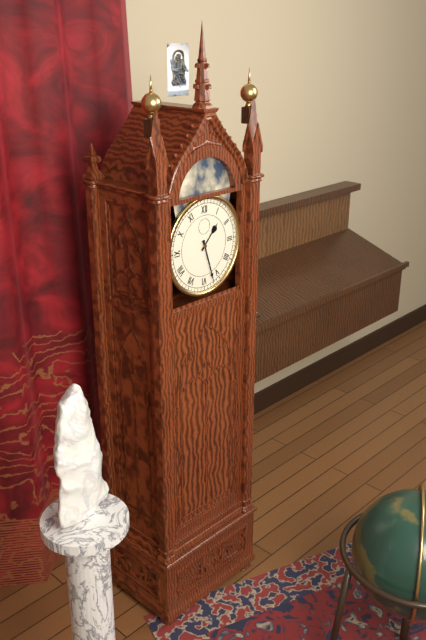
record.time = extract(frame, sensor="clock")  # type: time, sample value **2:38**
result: **1:27**
